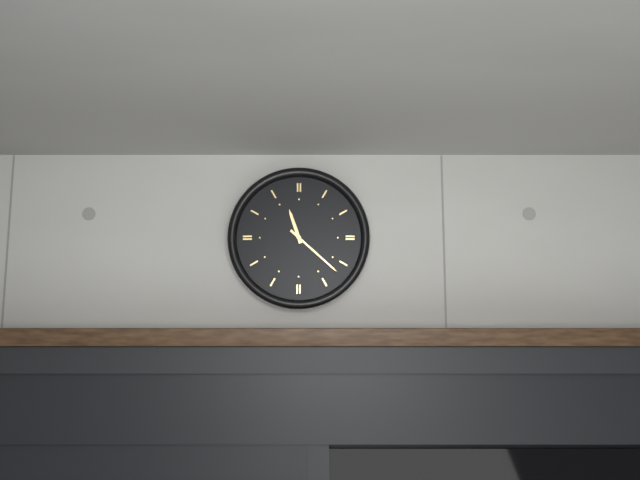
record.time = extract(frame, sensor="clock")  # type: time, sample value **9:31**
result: **11:22**
